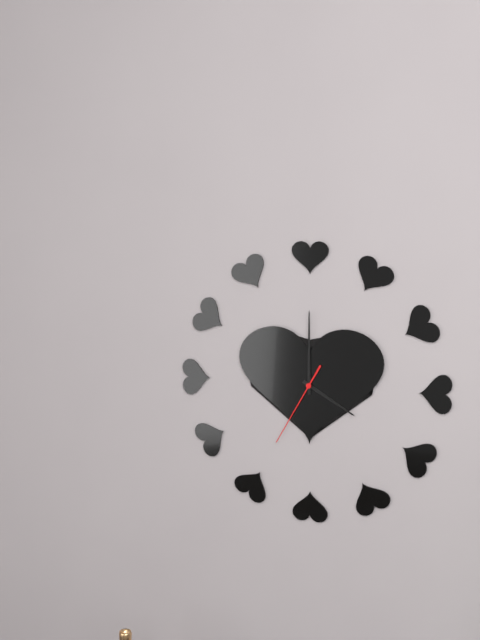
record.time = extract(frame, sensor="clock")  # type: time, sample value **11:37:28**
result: **4:00:35**
